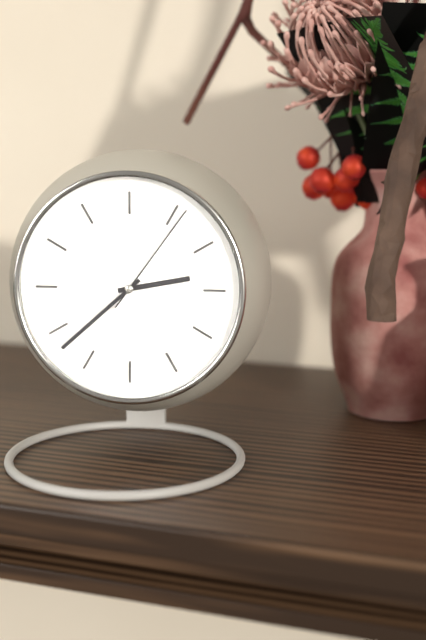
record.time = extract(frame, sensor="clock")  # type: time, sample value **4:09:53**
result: **2:38:06**
